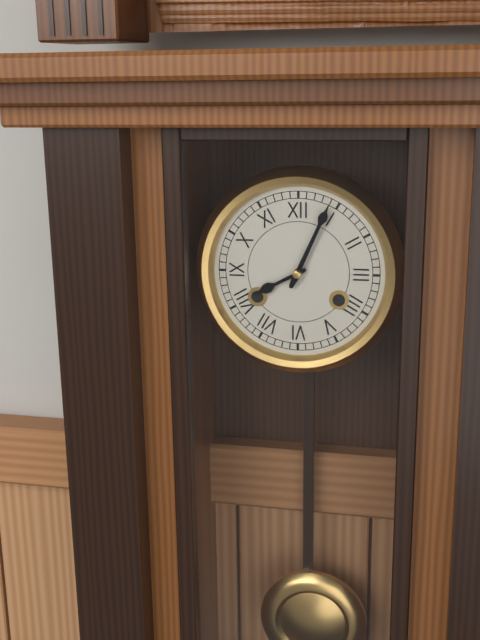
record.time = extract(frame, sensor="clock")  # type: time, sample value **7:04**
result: **8:04**
